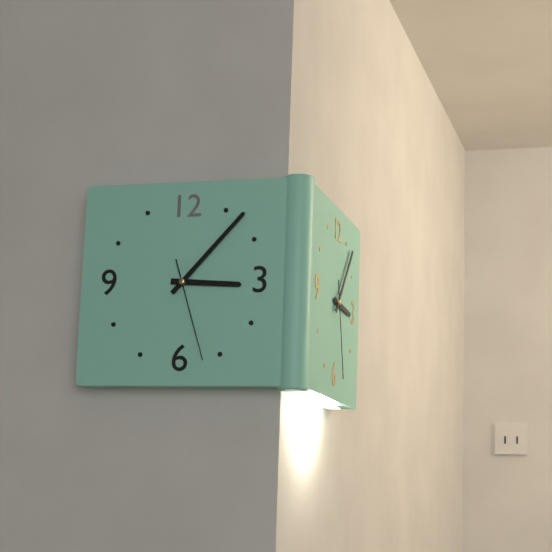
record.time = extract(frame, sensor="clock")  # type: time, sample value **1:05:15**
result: **3:07:27**
